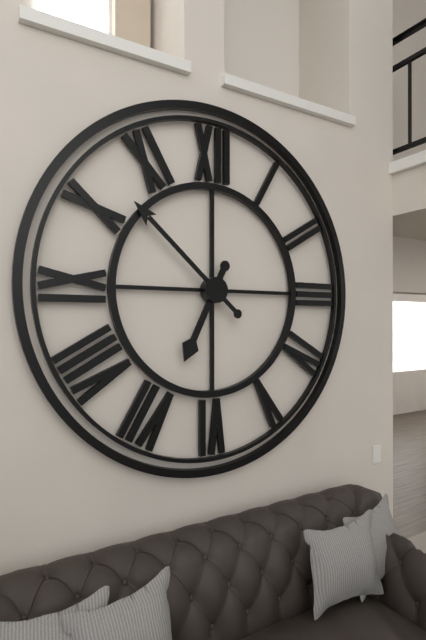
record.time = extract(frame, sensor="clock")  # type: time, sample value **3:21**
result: **6:52**
